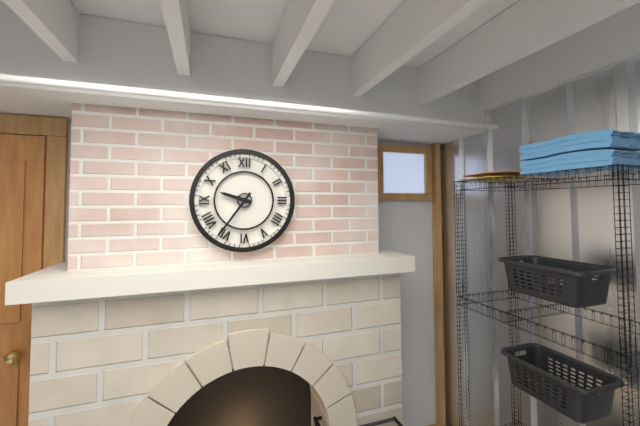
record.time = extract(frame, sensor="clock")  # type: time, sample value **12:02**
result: **9:36**
